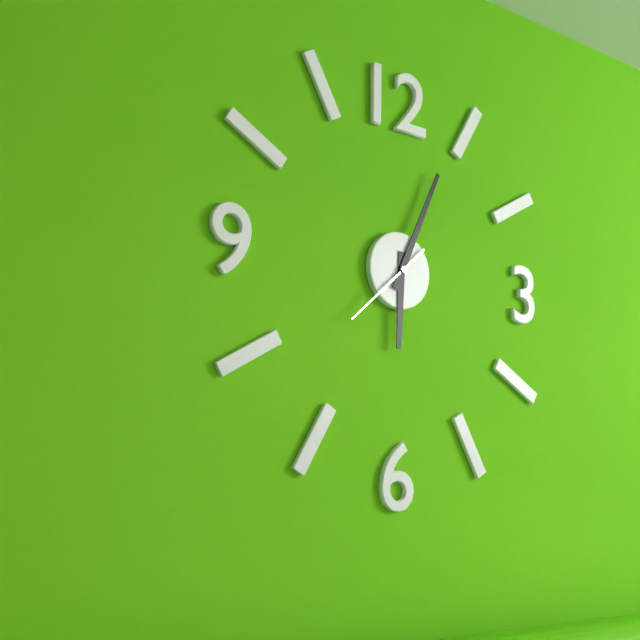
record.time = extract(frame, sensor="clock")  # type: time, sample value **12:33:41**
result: **6:04:38**
